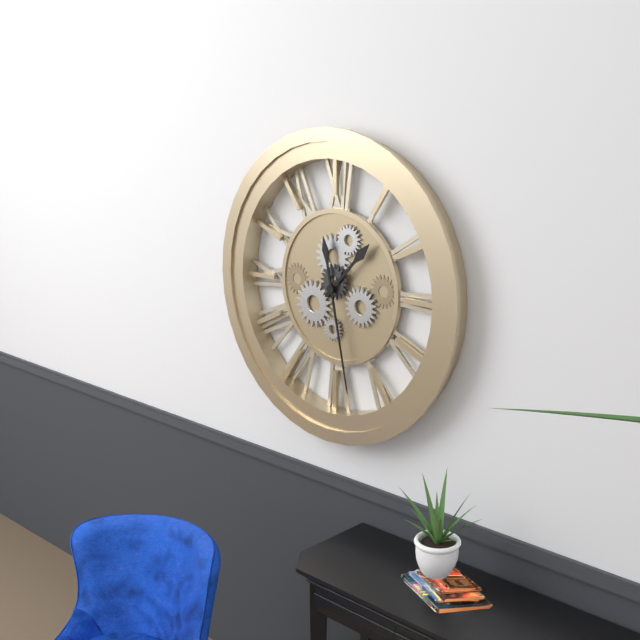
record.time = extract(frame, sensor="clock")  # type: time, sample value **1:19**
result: **1:28**
